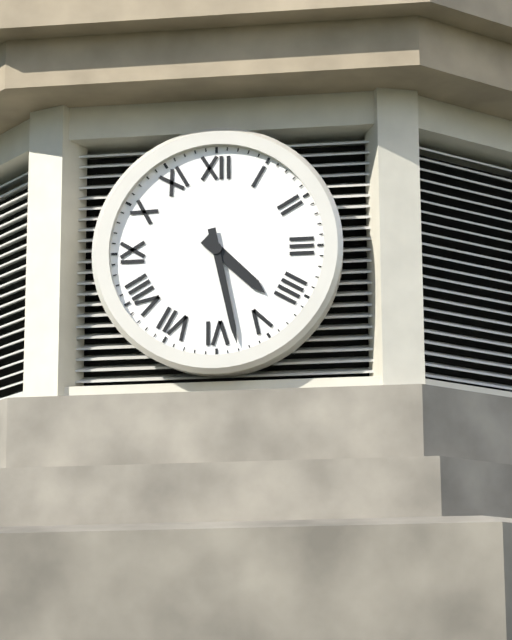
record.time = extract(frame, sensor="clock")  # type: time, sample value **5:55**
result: **4:28**
